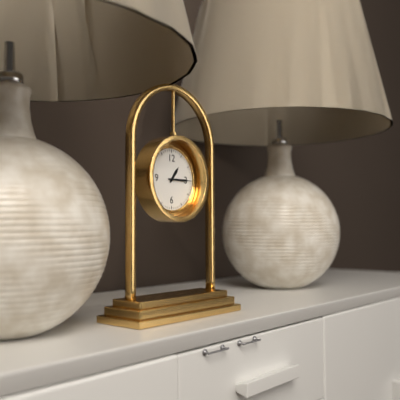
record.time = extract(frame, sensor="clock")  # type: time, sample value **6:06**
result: **1:15**
